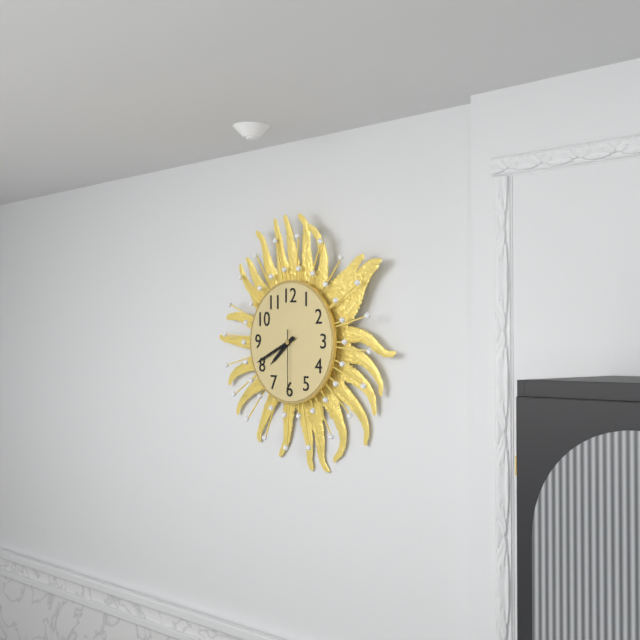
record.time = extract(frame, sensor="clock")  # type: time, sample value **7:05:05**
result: **7:41:30**
